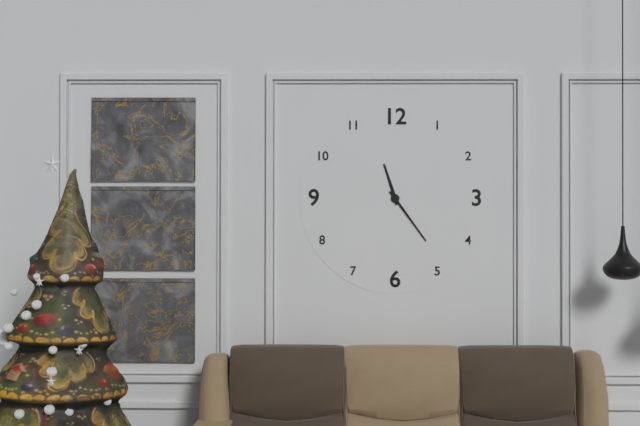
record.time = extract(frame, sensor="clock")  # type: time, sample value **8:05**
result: **11:24**
